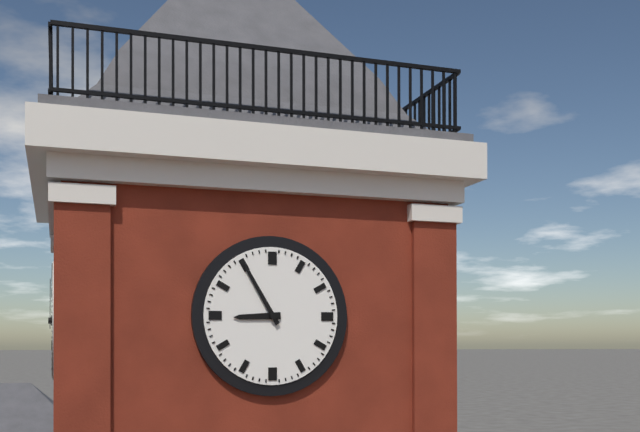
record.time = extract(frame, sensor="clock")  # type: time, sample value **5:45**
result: **8:55**
